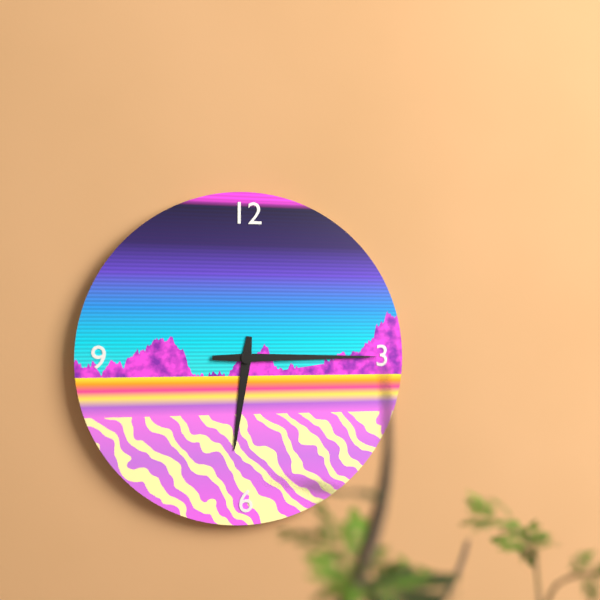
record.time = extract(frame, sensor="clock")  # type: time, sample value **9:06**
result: **6:15**
